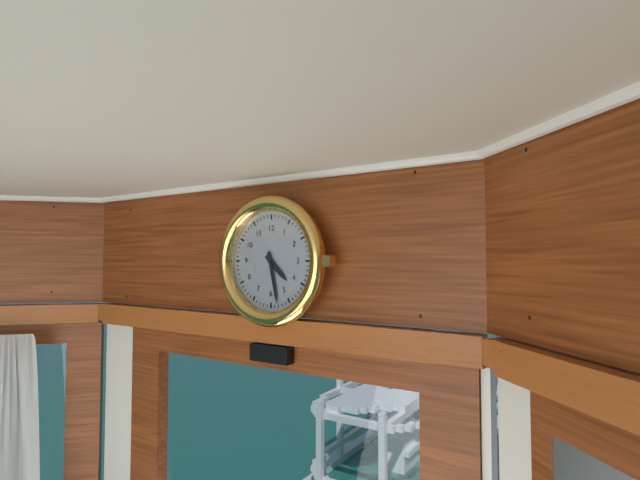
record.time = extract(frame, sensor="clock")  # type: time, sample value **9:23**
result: **4:28**
